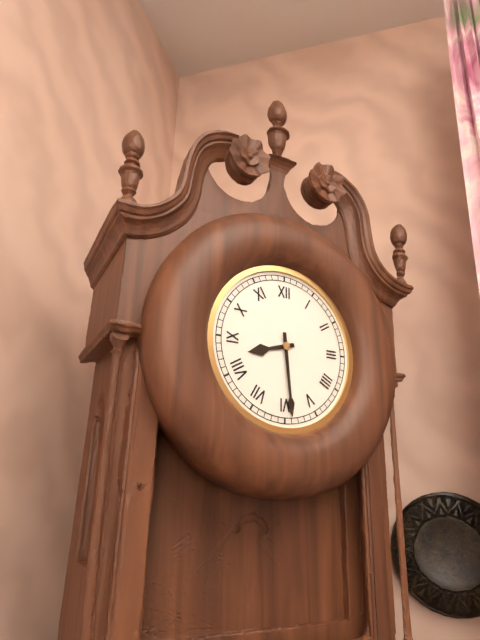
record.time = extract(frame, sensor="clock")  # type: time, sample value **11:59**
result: **8:29**
